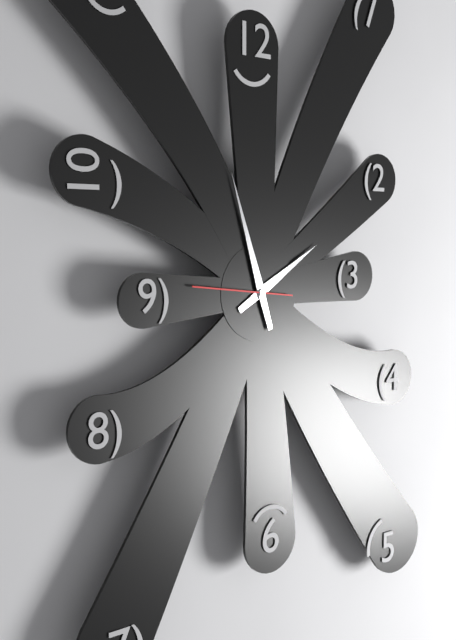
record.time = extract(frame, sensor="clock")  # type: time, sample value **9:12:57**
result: **1:57:46**
